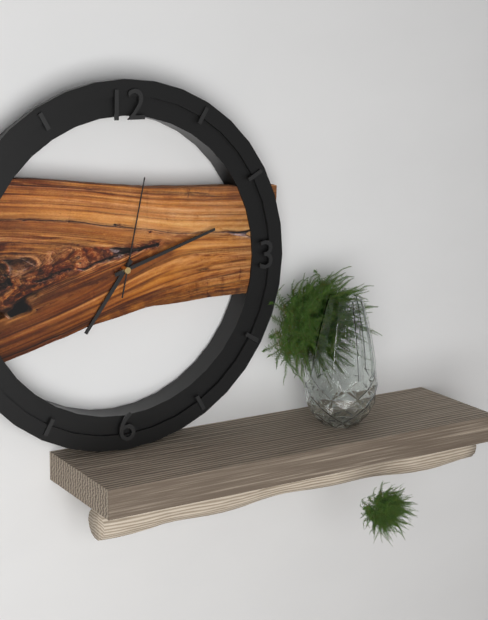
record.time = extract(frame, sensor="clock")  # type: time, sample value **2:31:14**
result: **7:12:02**
